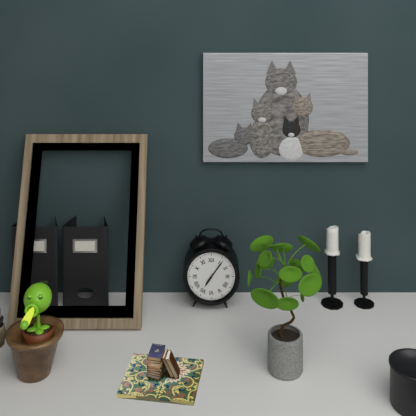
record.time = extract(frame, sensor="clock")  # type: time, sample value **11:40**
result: **7:06**
